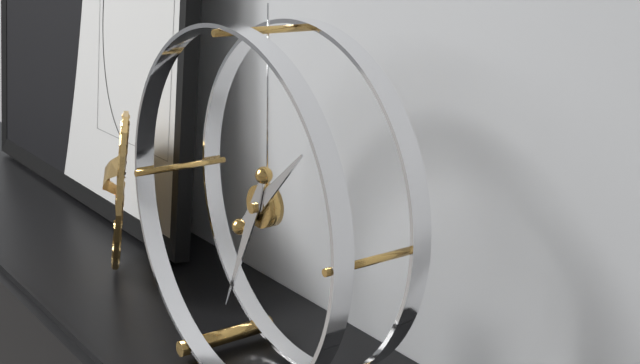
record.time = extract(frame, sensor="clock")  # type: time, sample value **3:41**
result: **1:34**
